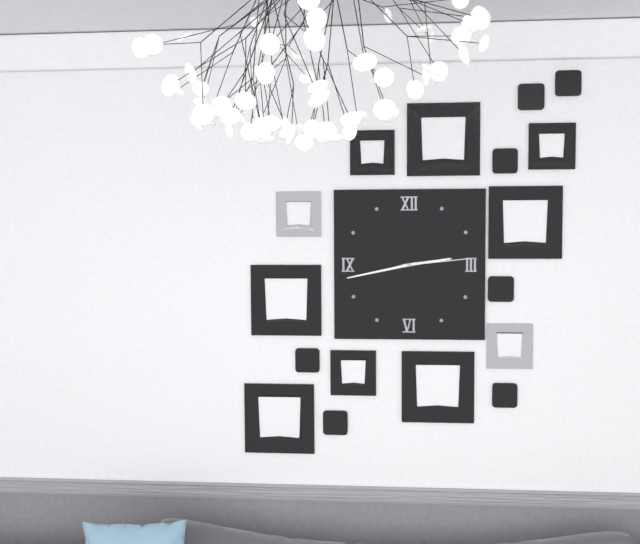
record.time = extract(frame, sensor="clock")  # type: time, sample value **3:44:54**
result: **2:43:14**
